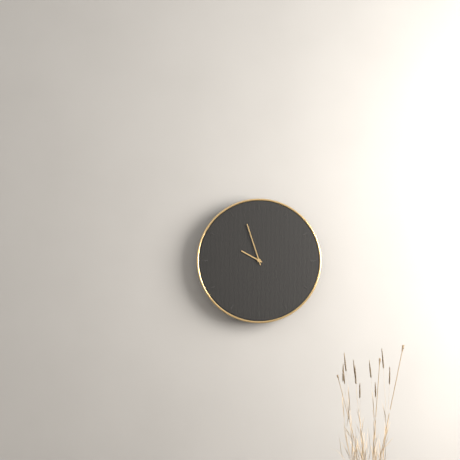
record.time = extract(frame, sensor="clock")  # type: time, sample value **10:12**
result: **9:57**
